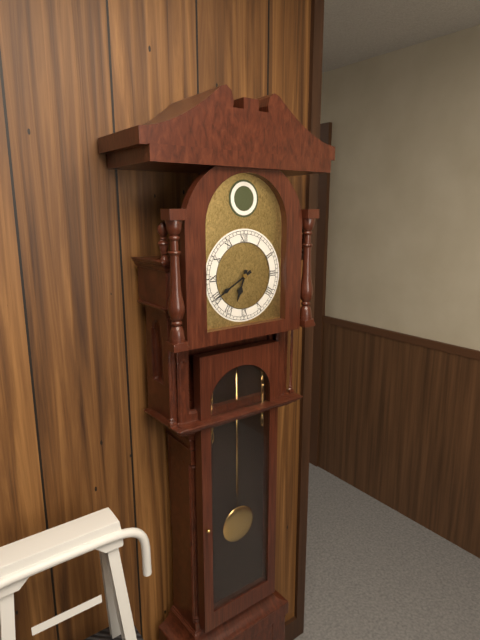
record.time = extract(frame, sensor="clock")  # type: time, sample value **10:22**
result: **6:40**
